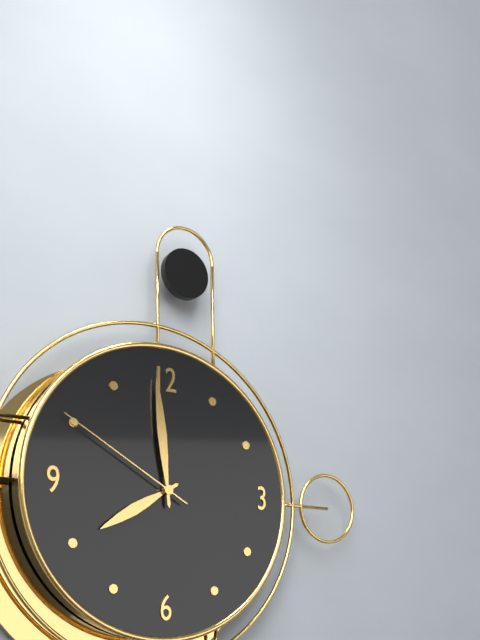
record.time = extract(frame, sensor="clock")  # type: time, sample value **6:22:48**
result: **7:59:50**
